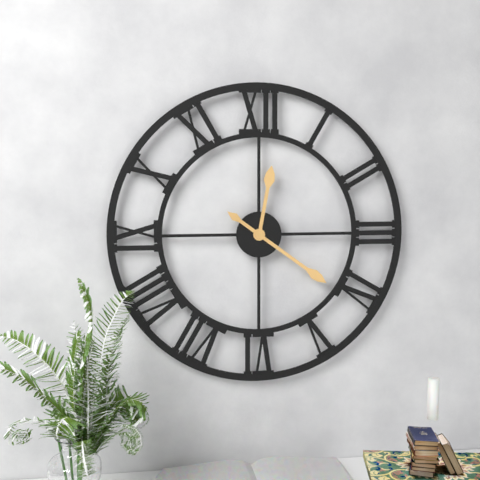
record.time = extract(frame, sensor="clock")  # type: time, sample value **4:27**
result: **12:21**
